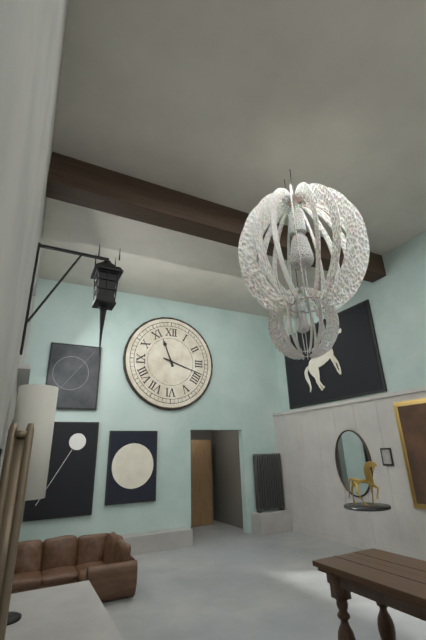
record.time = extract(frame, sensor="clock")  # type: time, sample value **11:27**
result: **11:18**
